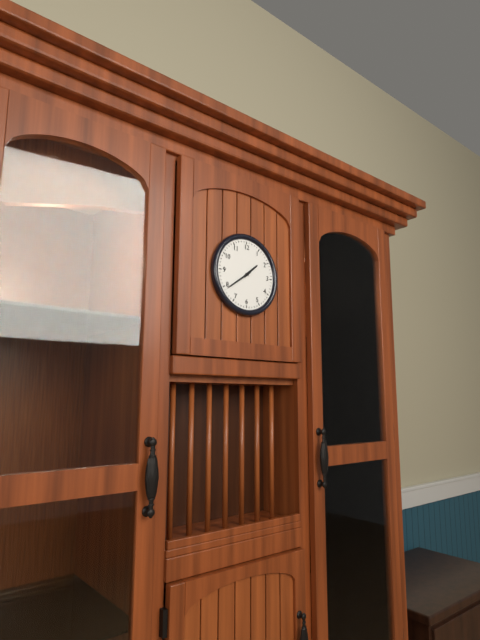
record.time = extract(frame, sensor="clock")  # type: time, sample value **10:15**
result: **1:39**
